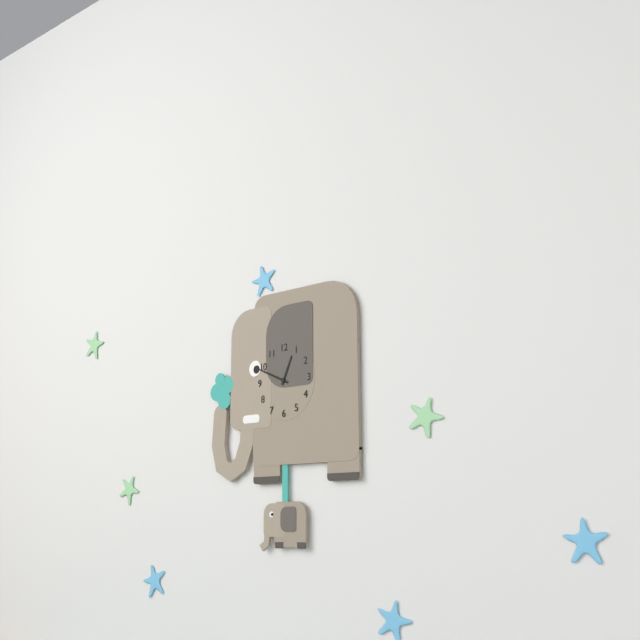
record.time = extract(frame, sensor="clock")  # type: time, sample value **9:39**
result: **12:49**
